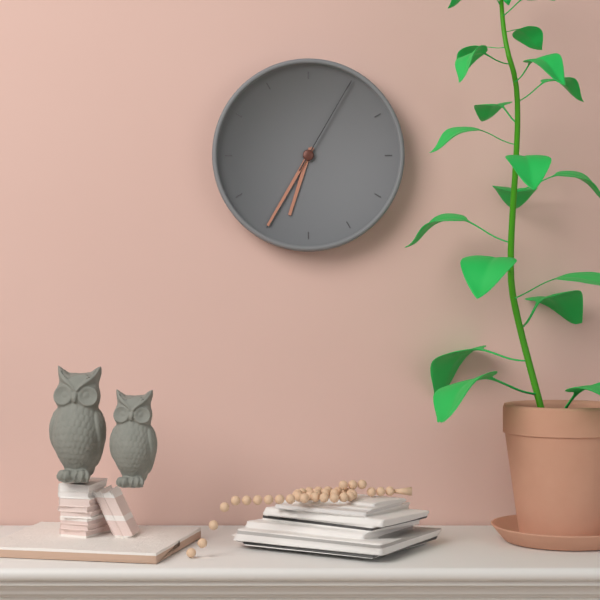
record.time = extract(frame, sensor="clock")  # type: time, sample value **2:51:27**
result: **6:35:05**
